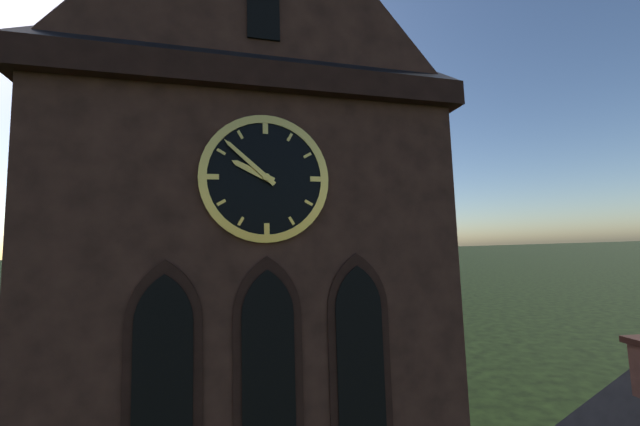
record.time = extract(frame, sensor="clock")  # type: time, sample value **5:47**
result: **9:52**
